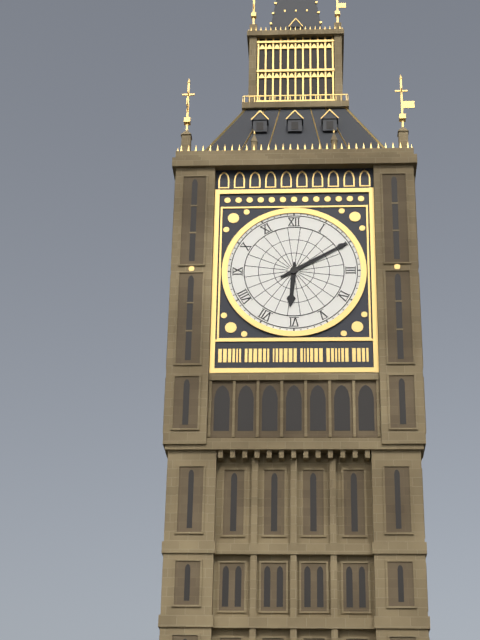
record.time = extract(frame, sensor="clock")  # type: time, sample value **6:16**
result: **6:10**
